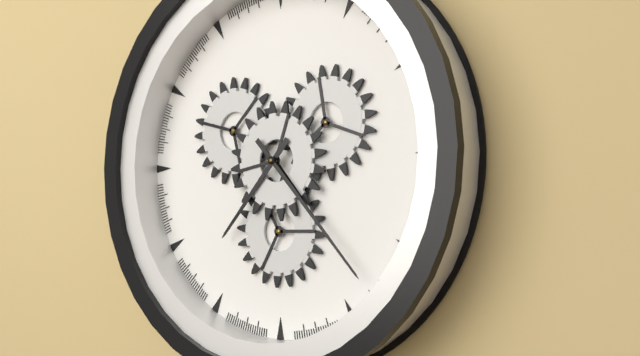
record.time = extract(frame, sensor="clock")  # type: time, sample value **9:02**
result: **7:23**
